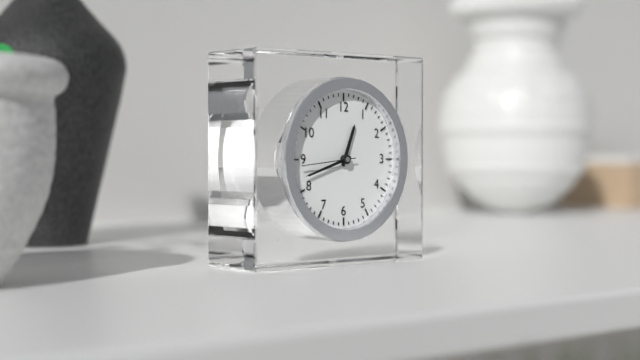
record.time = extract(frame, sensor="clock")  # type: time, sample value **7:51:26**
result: **12:42:44**
